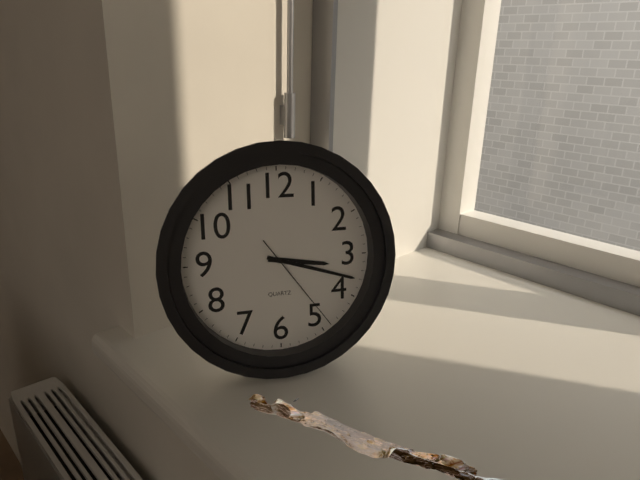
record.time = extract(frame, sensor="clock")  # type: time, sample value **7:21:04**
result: **3:18:24**
